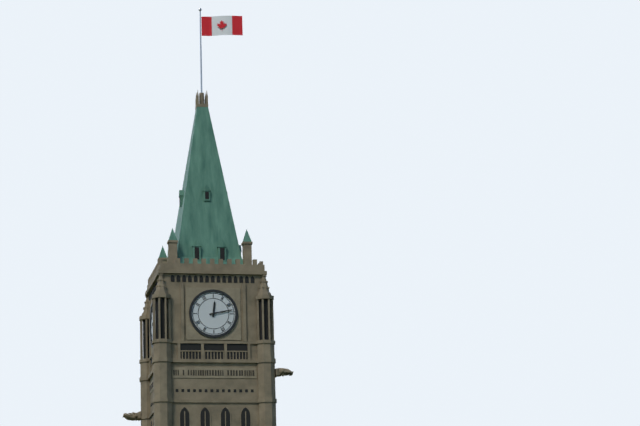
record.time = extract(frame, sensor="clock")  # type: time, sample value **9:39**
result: **12:13**
